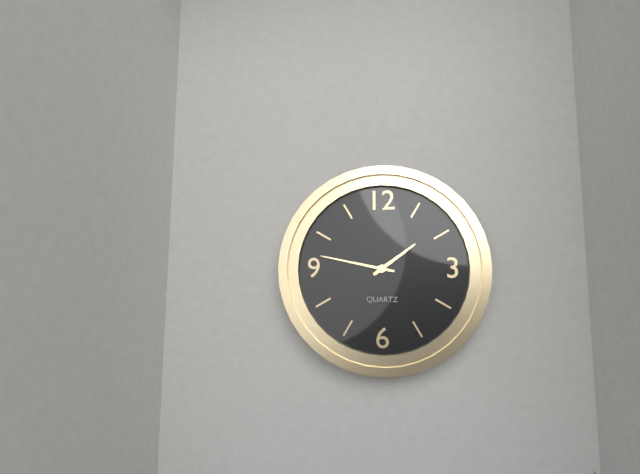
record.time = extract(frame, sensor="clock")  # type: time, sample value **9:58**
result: **1:47**
